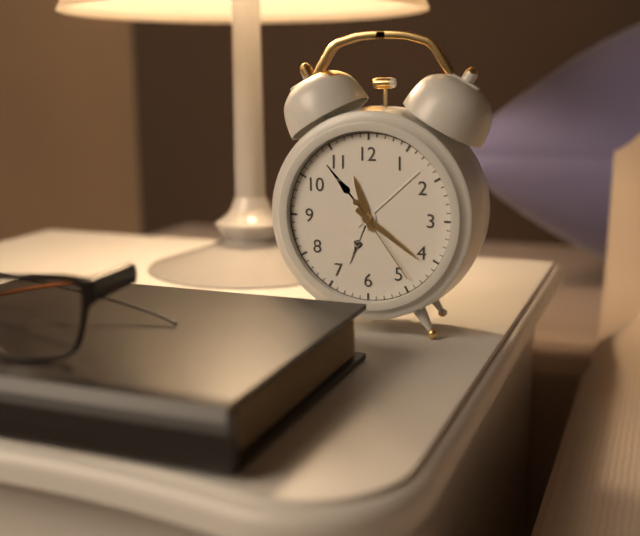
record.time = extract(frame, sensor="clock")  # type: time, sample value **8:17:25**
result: **11:21:24**
